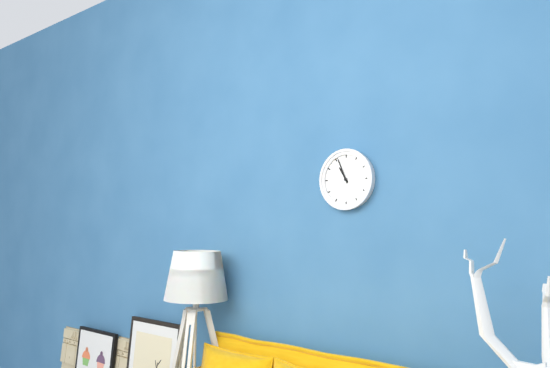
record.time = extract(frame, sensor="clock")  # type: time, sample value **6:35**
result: **10:56**
